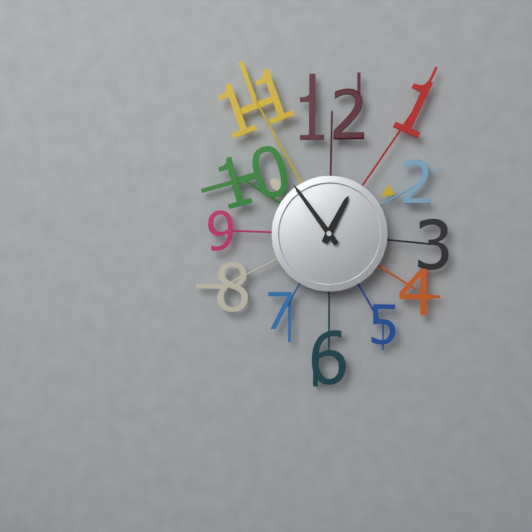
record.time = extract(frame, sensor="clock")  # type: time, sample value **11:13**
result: **12:54**
